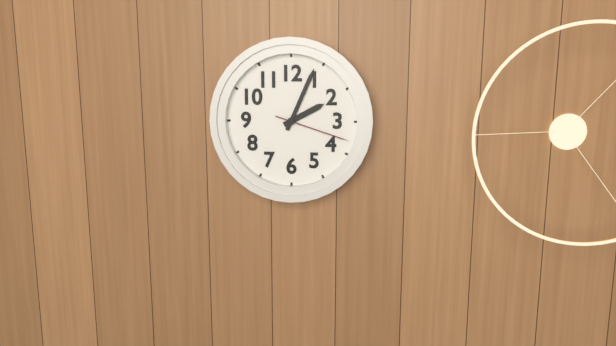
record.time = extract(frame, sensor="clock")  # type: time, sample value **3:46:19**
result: **2:04:18**
